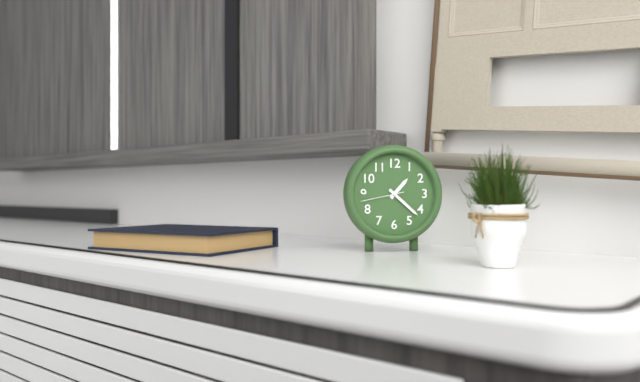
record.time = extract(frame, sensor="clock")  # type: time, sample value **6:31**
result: **1:22**
